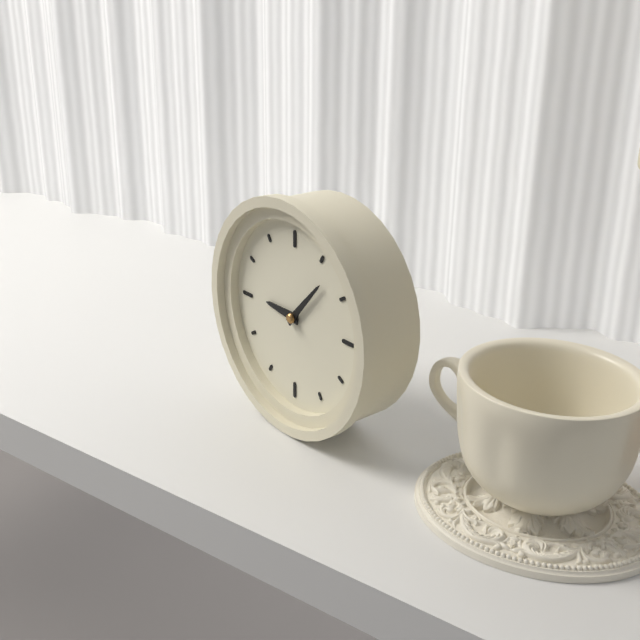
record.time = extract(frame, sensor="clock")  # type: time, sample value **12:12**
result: **9:07**
